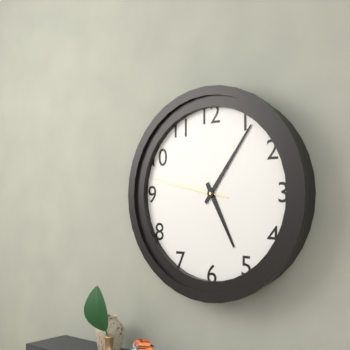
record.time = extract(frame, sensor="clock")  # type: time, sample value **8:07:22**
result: **5:06:47**
